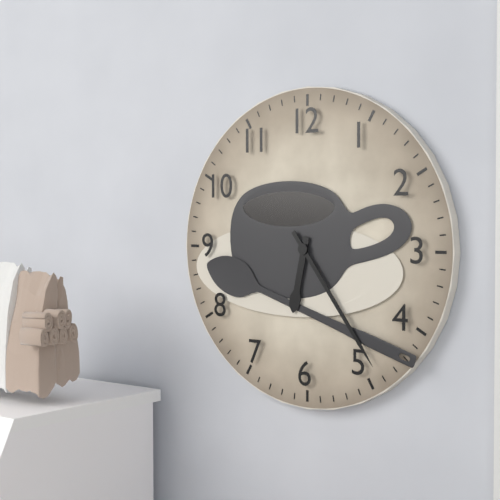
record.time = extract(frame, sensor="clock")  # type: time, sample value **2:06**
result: **6:24**
